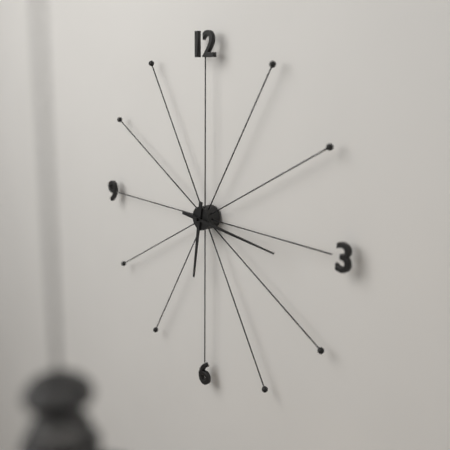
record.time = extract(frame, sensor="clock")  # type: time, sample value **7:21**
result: **6:16**
